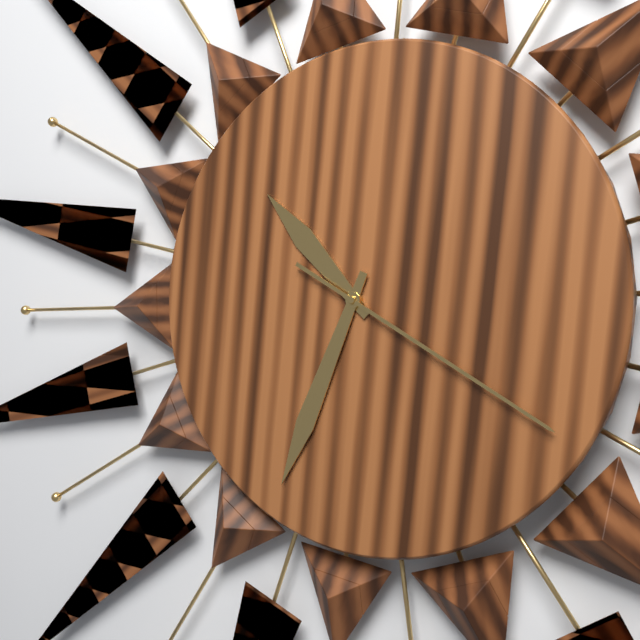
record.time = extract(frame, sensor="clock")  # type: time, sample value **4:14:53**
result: **10:34:20**
